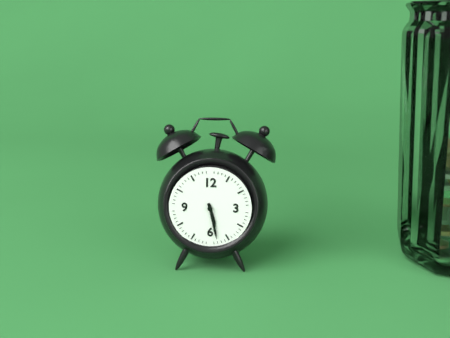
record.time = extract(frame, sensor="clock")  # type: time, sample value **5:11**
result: **5:28**
